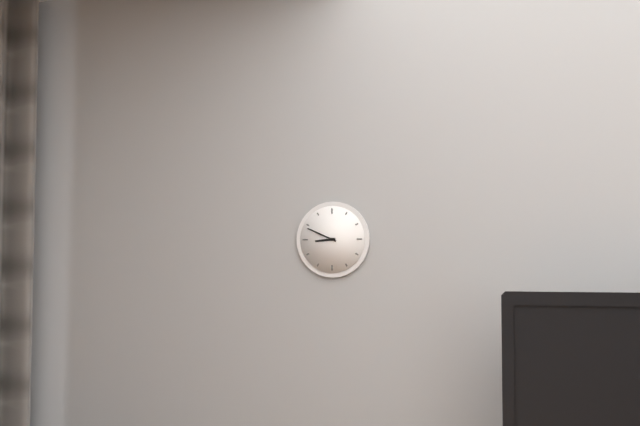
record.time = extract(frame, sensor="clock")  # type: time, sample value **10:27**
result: **8:49**
